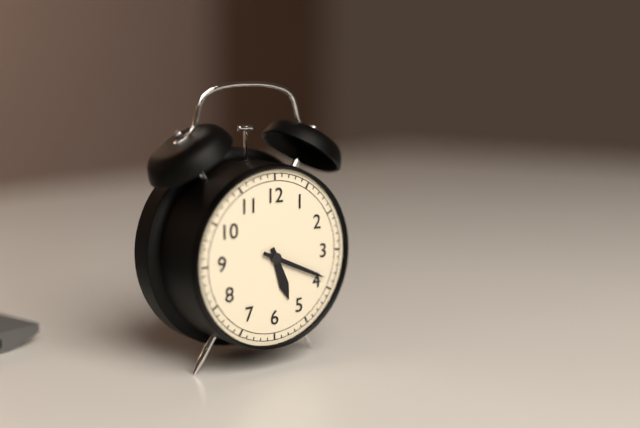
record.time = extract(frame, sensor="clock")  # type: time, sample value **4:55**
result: **5:19**
